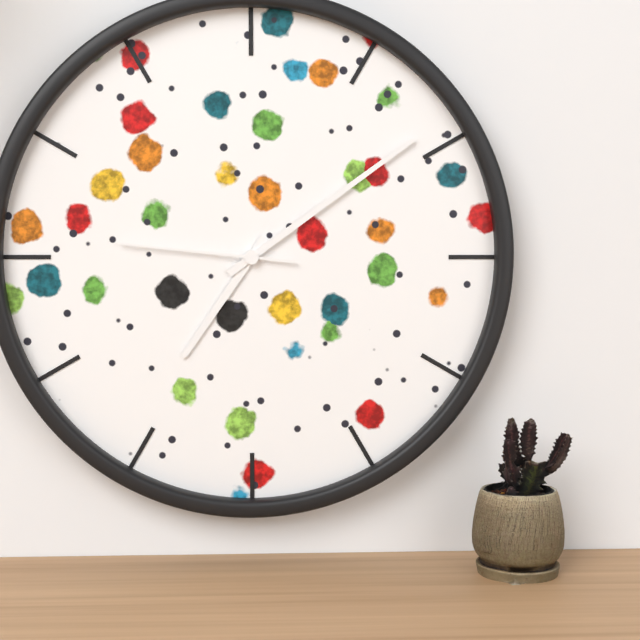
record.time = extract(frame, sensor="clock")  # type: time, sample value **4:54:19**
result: **7:09:46**
